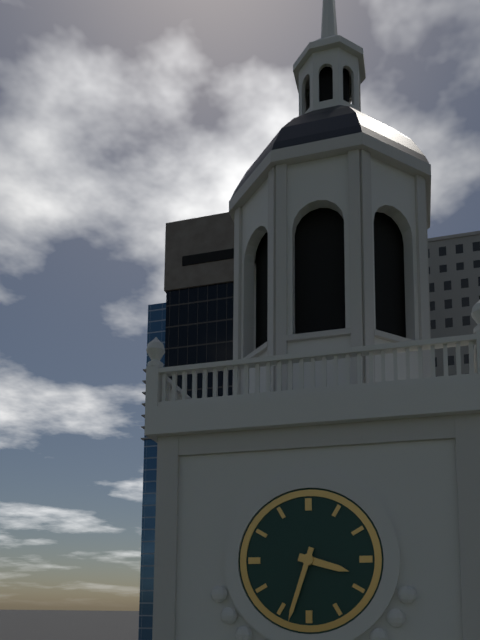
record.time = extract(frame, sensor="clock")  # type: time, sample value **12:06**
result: **3:33**
